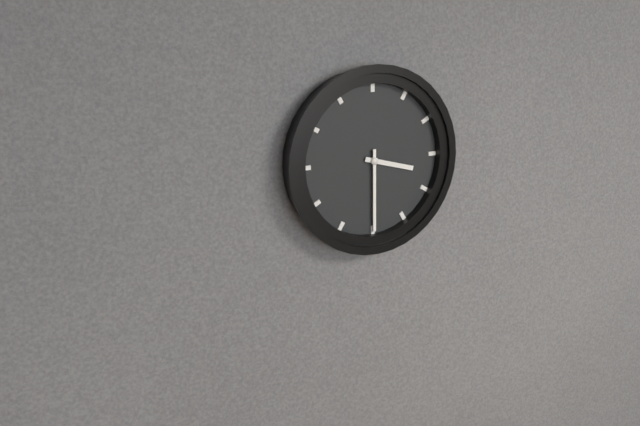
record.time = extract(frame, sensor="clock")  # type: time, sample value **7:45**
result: **3:30**
